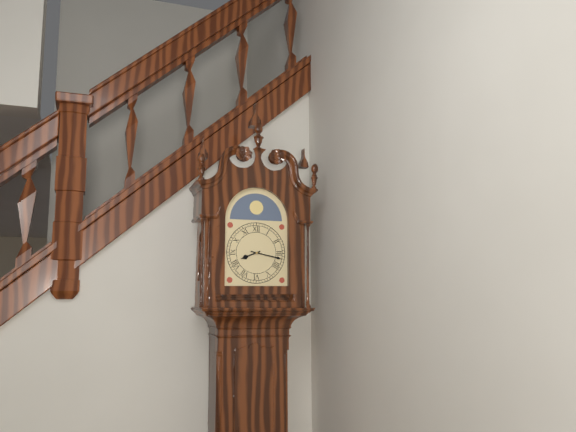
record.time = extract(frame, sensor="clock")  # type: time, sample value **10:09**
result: **8:17**
